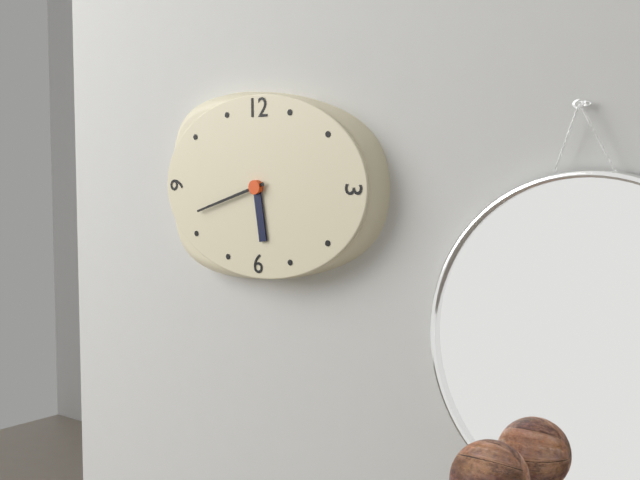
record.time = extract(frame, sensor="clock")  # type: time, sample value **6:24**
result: **5:42**
